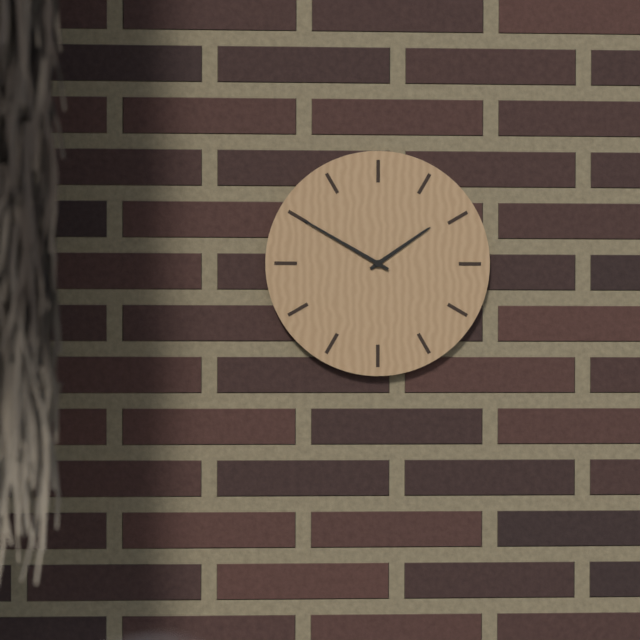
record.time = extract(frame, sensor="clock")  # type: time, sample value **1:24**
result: **1:50**
